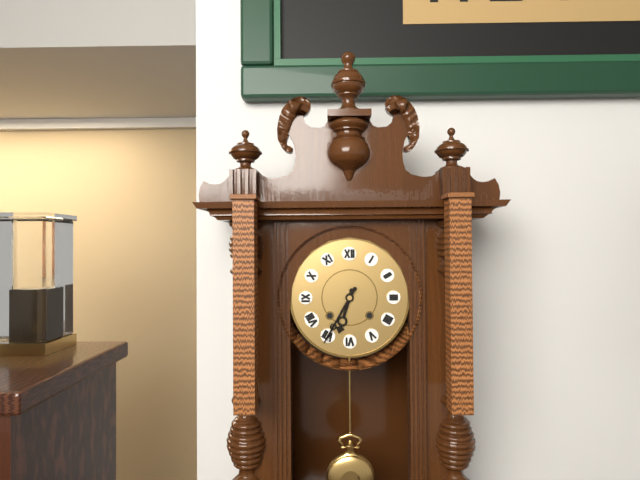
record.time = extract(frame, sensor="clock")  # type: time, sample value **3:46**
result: **6:35**
